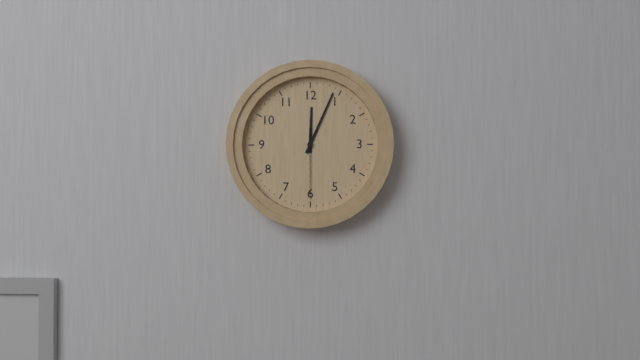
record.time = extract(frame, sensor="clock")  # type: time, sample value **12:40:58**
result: **12:04:30**
